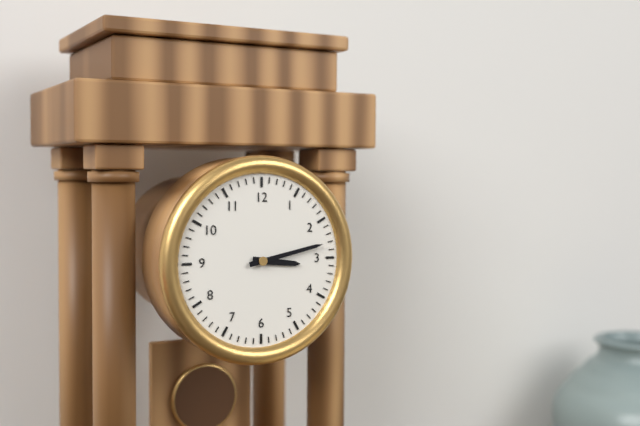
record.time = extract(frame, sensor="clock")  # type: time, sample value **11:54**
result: **3:13**
